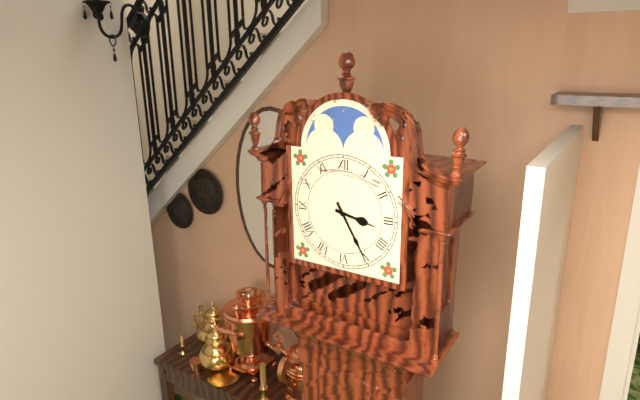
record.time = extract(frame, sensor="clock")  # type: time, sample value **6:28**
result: **3:25**
